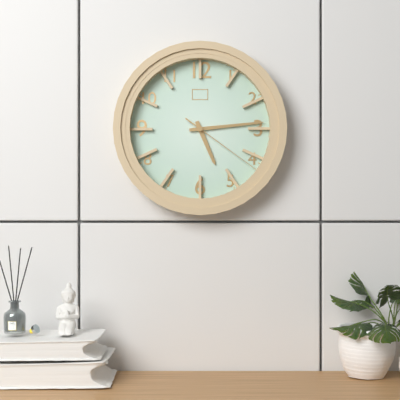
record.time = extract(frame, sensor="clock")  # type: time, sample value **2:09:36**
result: **5:14:21**
